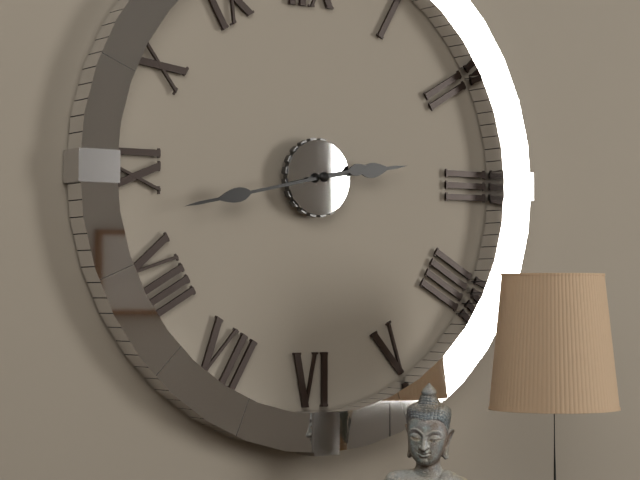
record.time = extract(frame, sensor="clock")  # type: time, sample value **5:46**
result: **2:43**
